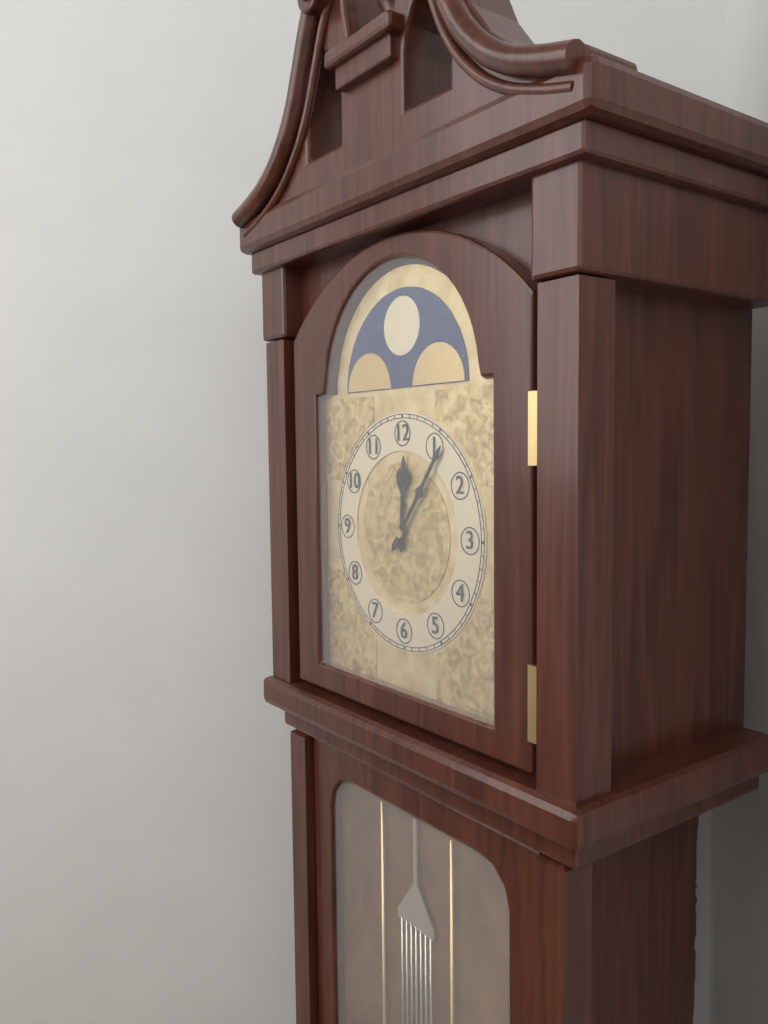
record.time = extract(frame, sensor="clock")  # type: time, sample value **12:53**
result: **12:06**
